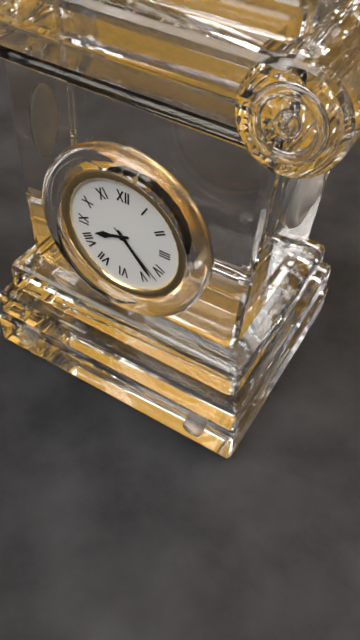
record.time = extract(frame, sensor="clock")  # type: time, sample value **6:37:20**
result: **8:23:22**
